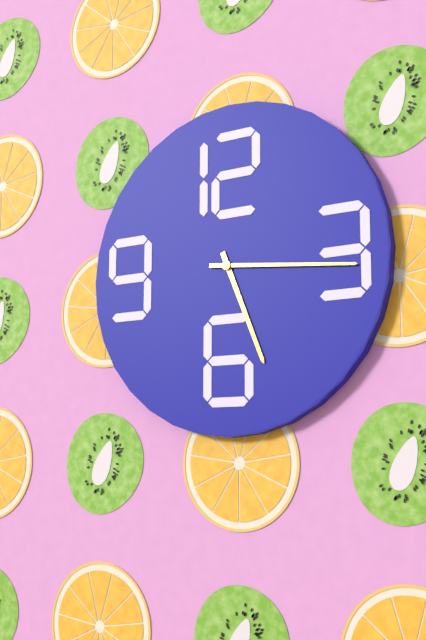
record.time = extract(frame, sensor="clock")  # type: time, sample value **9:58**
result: **5:16**
